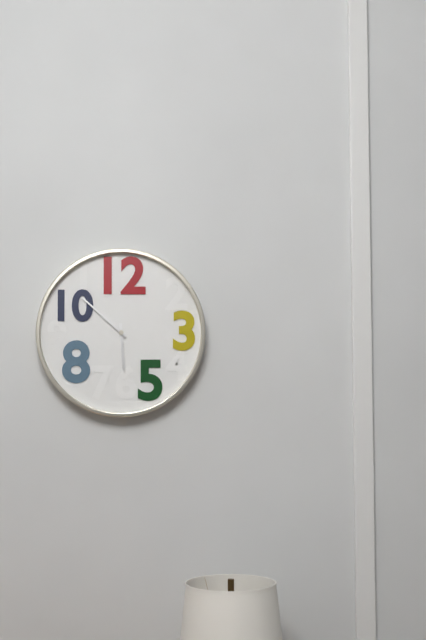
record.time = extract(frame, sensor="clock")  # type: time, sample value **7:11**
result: **5:52**
